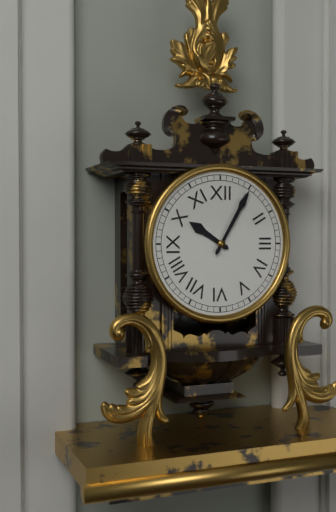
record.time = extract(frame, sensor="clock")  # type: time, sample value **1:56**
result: **10:05**
